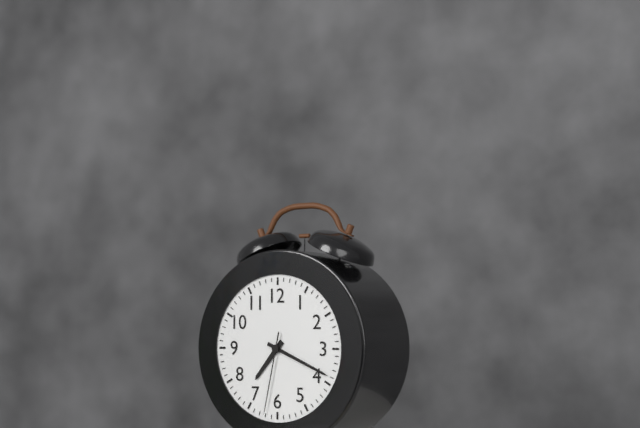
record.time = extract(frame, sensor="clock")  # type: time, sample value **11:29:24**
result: **7:19:32**
